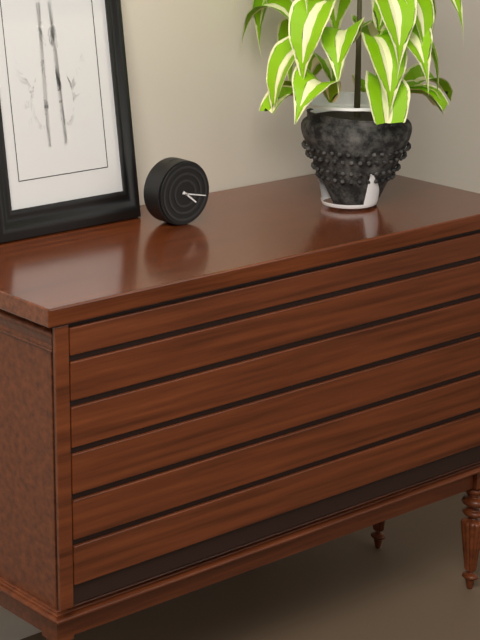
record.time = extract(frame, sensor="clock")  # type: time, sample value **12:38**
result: **4:17**
